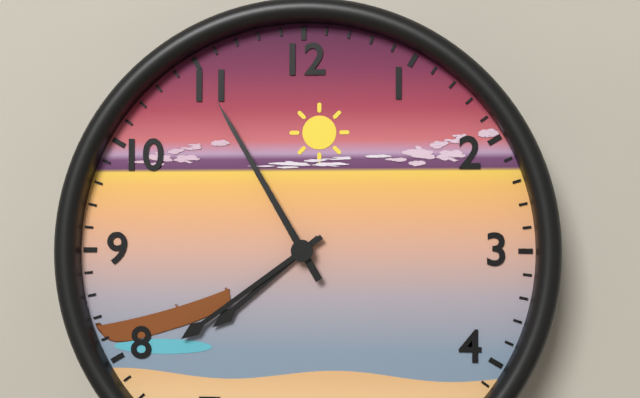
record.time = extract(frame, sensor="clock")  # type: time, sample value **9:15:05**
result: **7:39:55**
